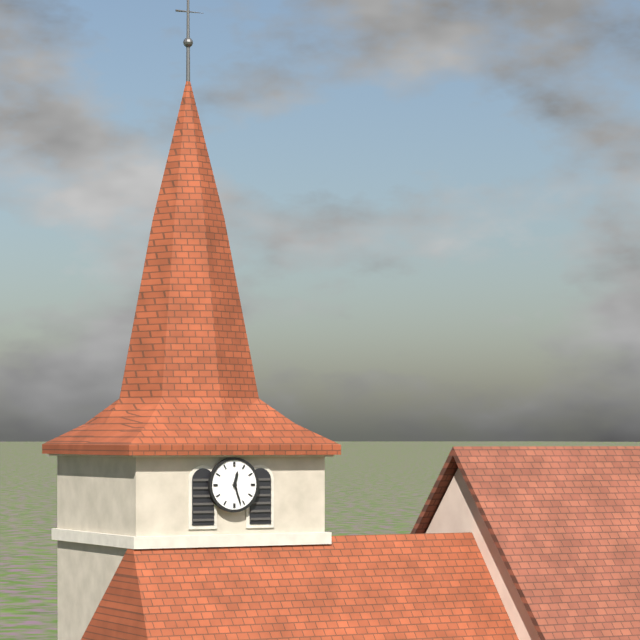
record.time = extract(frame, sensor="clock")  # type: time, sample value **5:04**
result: **12:27**
